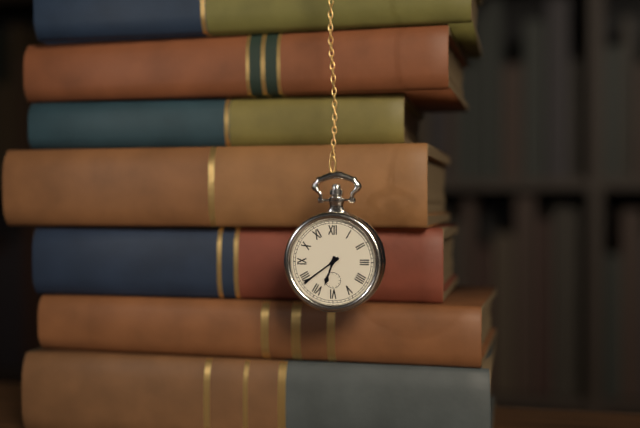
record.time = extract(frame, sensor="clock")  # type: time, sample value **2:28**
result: **6:39**
